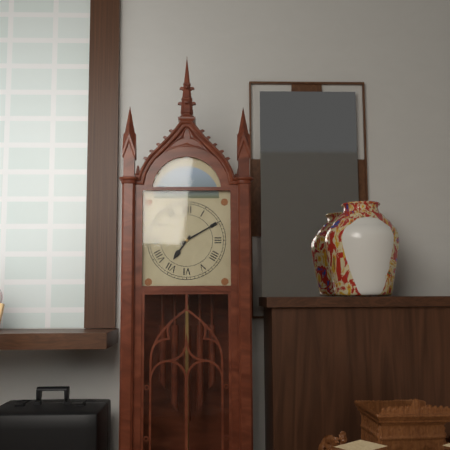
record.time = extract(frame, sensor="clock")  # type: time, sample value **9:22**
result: **7:10**
